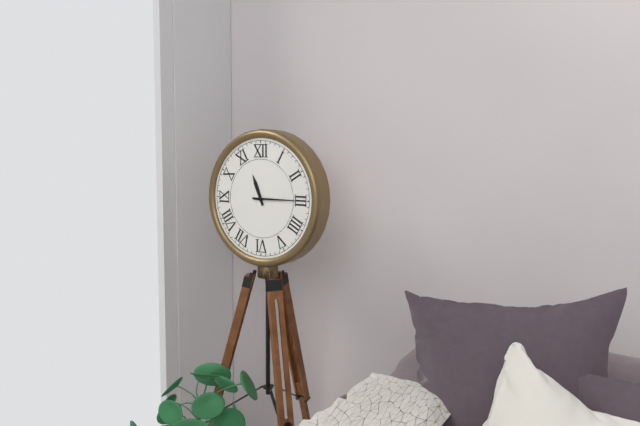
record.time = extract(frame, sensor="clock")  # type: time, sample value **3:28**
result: **11:15**
